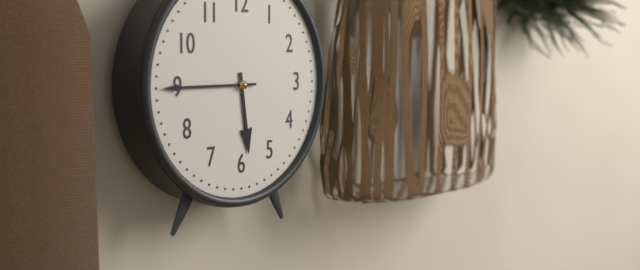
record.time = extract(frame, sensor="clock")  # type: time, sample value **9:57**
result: **5:45**
